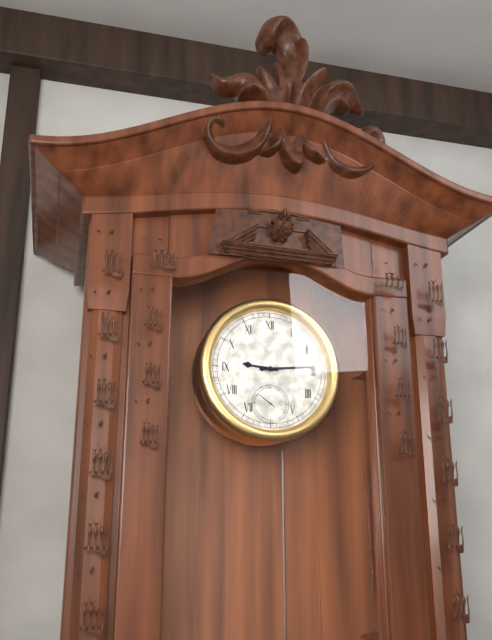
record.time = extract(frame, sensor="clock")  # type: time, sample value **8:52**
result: **9:14**
